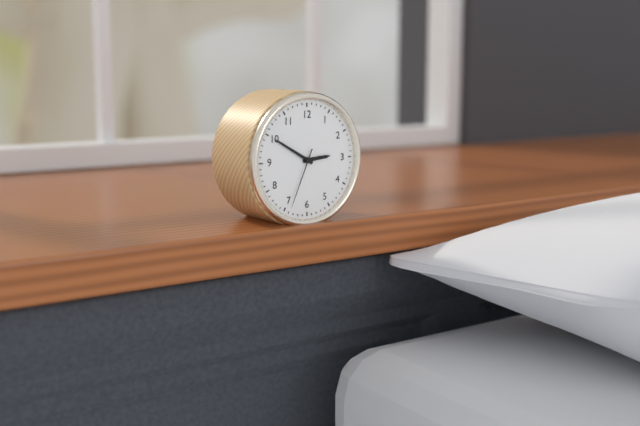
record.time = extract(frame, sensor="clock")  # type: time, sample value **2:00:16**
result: **2:50:34**
